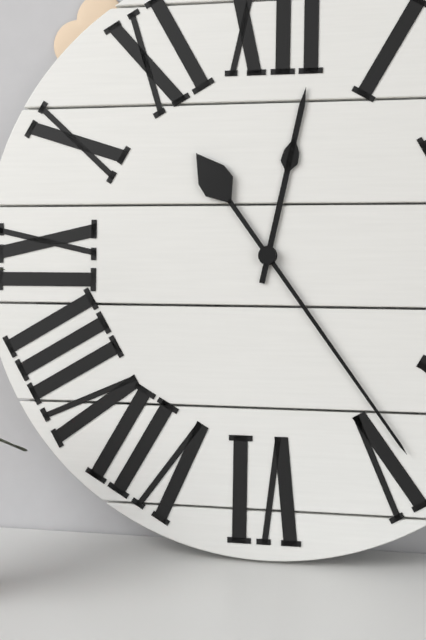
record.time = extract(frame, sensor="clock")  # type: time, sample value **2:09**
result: **12:24**
